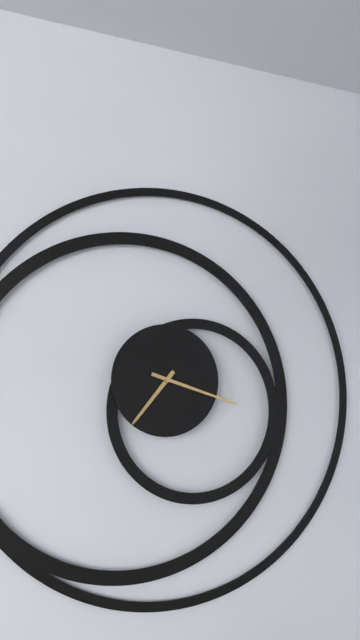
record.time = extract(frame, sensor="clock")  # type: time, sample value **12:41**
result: **7:18**
